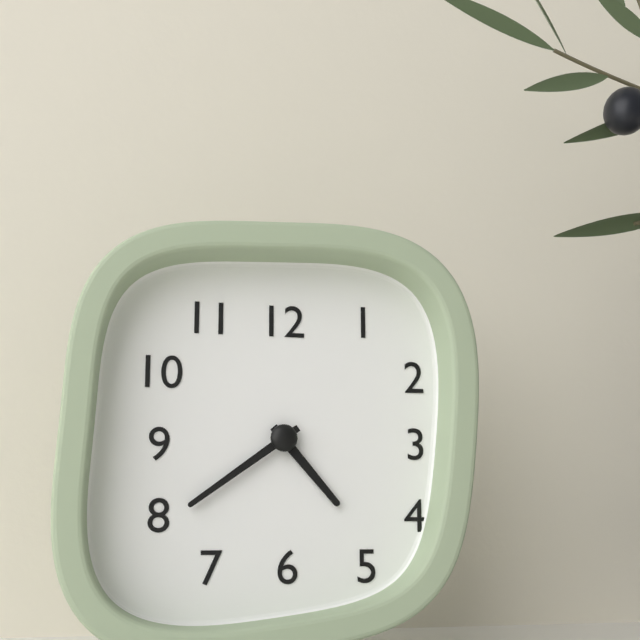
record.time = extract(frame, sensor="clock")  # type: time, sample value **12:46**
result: **4:39**
